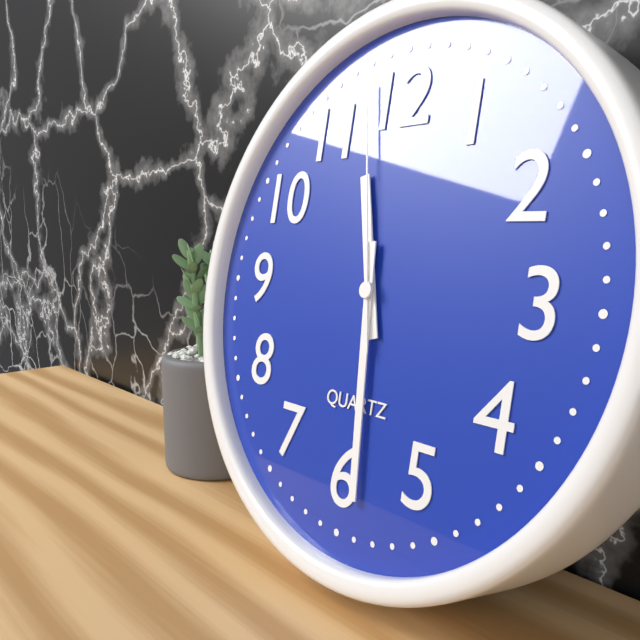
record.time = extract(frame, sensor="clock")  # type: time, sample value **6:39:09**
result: **11:29:58**
